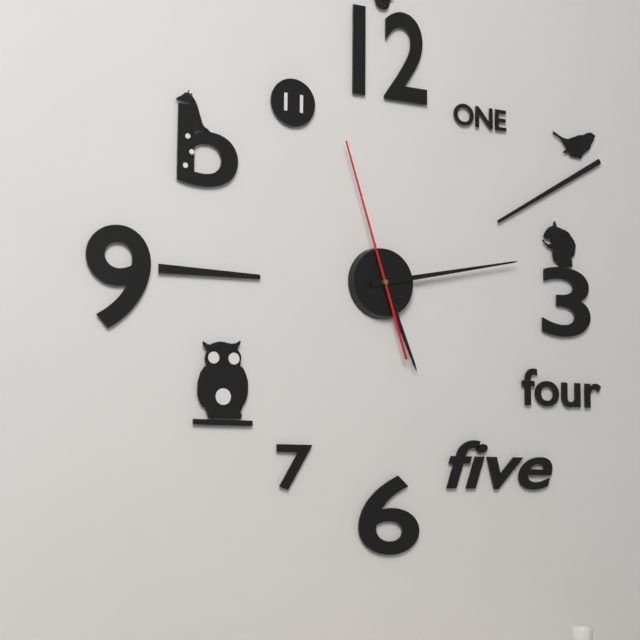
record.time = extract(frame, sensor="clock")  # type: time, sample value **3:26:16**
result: **5:13:57**
